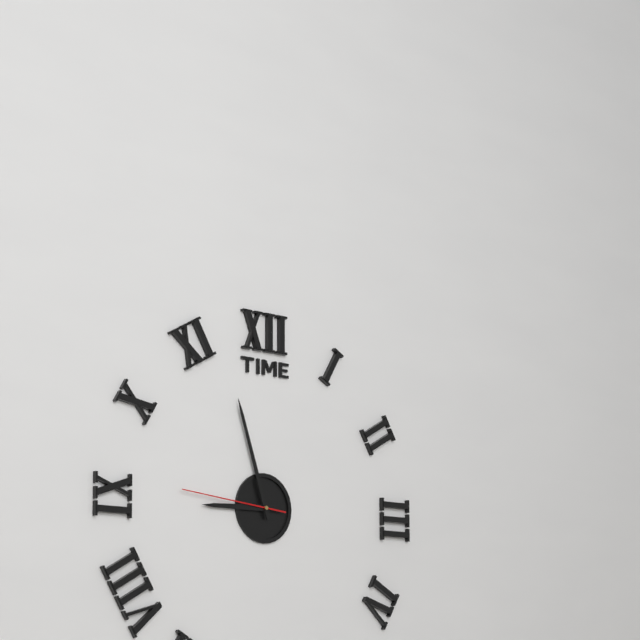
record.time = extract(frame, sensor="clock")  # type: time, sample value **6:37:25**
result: **8:57:46**
